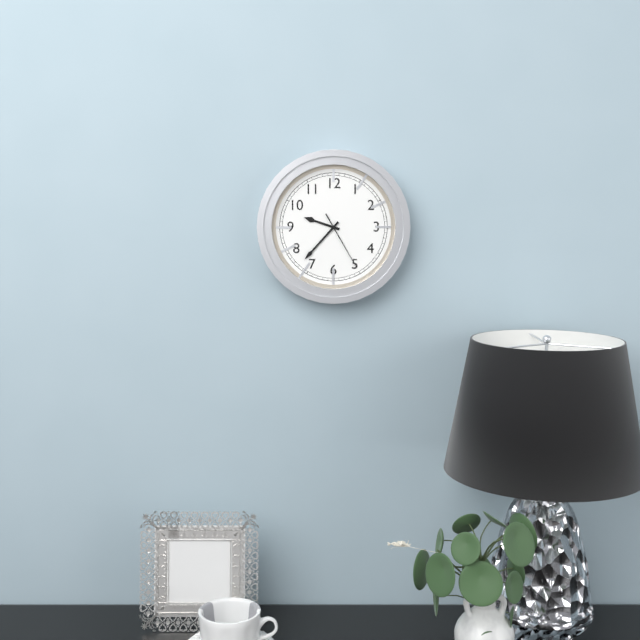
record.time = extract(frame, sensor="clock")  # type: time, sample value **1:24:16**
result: **9:37:25**
